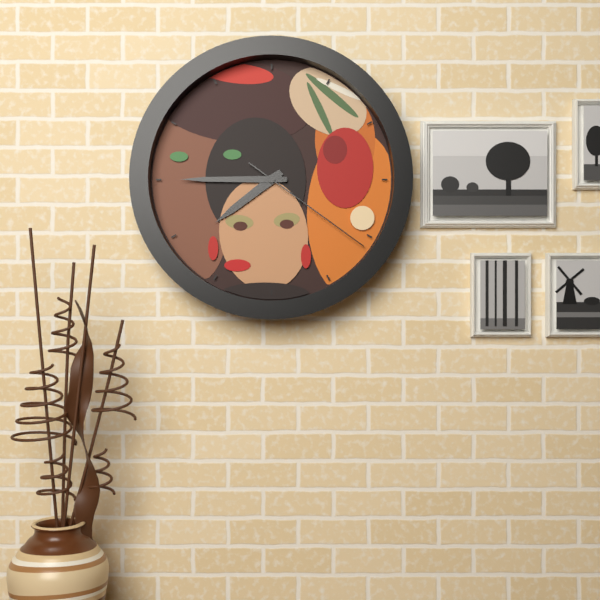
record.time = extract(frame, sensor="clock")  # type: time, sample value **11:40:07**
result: **7:45:21**
